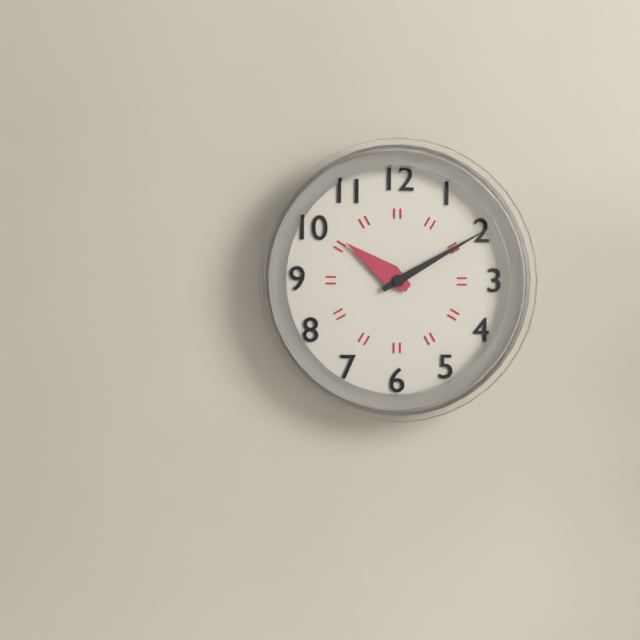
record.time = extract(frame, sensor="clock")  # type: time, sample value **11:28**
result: **10:10**
